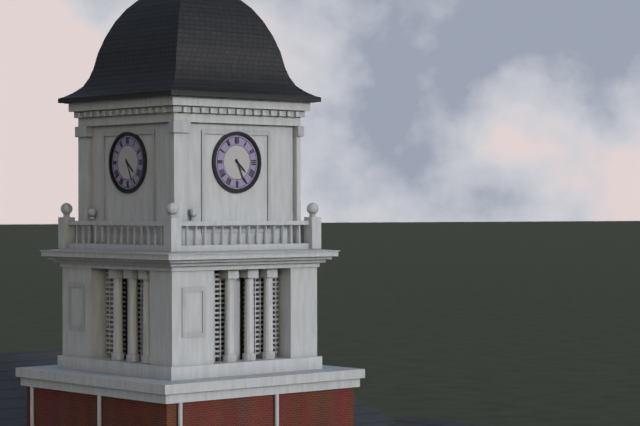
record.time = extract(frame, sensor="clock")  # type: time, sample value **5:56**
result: **4:26**
